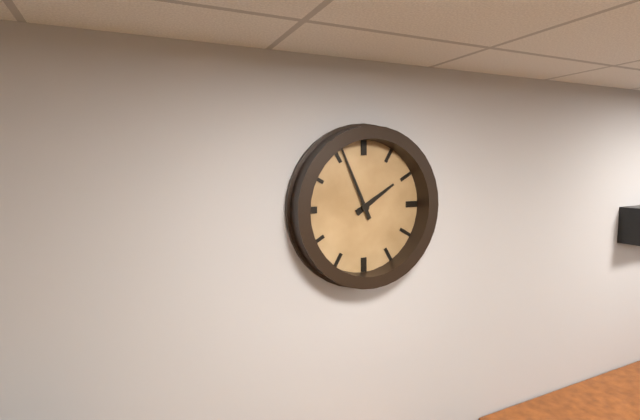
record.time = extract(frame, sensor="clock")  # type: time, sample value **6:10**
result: **1:56**
